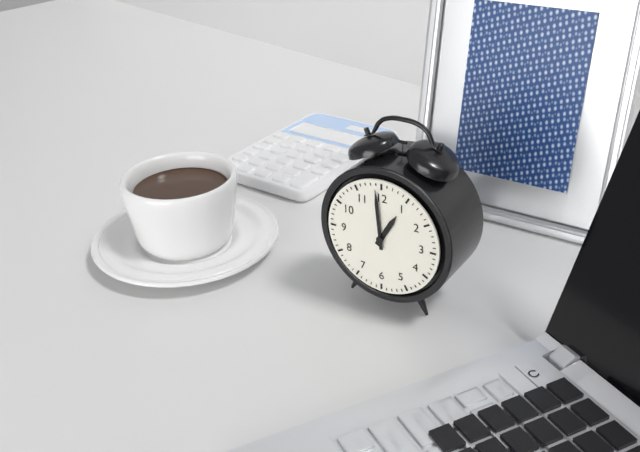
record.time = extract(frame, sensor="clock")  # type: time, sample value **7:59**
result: **12:59**
